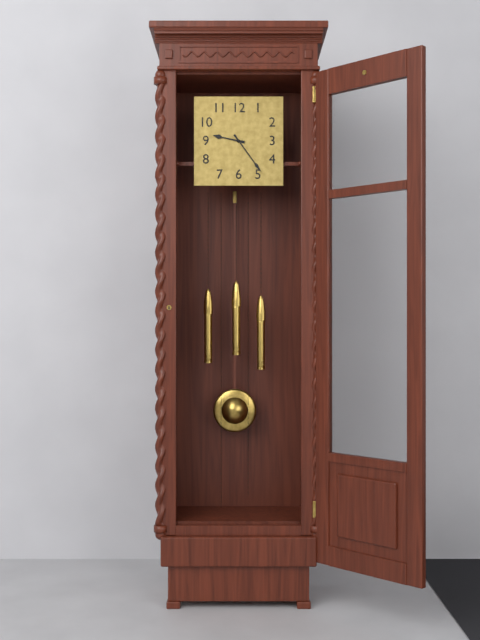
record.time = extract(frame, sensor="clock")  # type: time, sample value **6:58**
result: **9:24**
